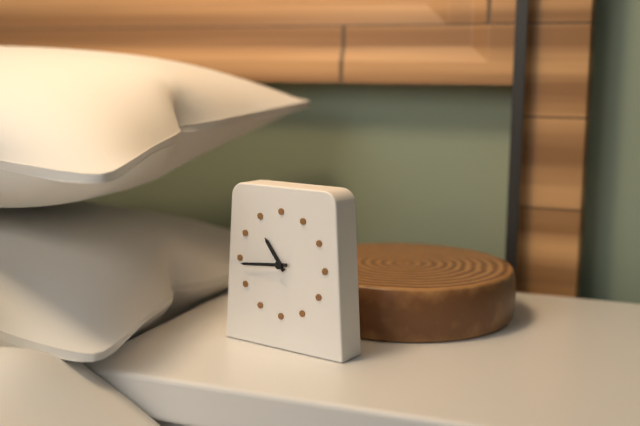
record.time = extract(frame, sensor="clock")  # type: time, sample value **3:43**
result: **10:44**
